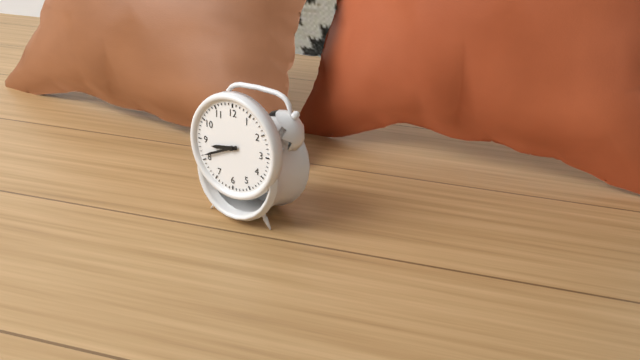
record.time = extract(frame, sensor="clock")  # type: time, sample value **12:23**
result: **8:41**
